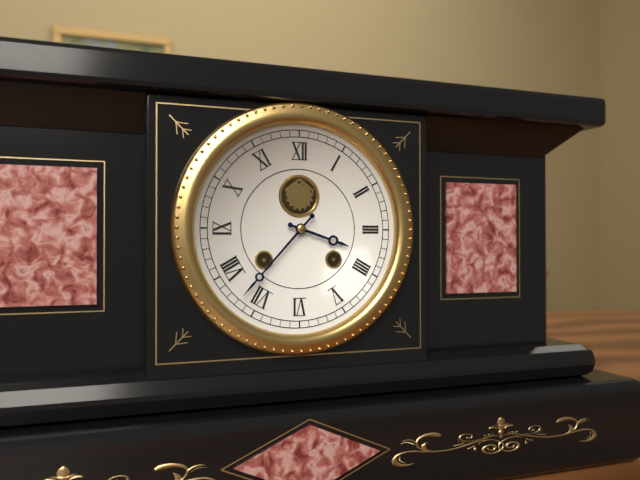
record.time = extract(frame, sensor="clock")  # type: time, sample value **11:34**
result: **3:37**
